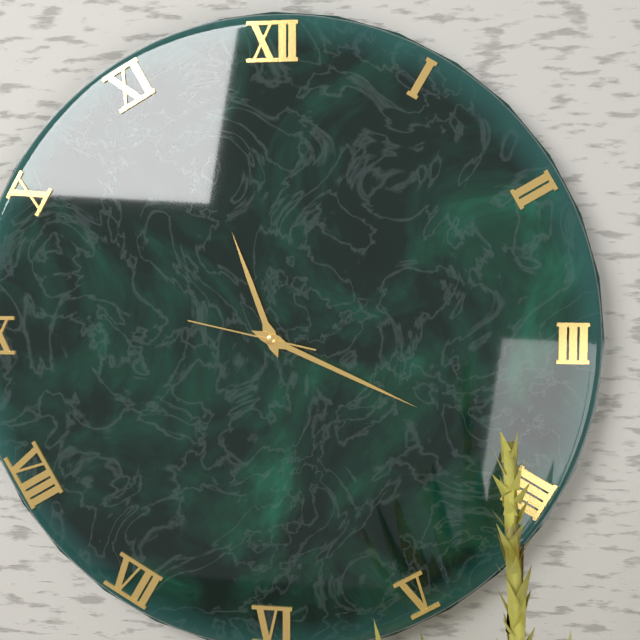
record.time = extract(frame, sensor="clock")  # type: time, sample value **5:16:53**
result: **11:19:47**
